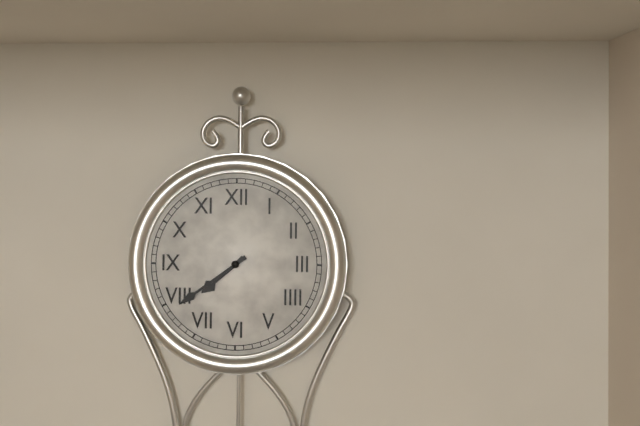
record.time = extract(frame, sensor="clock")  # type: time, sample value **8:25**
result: **7:39**
